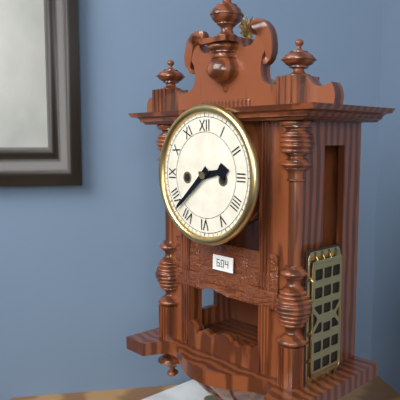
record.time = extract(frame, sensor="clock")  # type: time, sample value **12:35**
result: **2:38**
